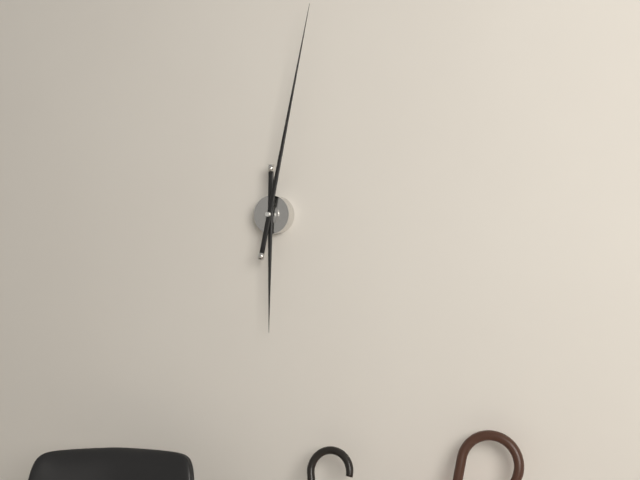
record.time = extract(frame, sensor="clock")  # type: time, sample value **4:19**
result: **6:02**
